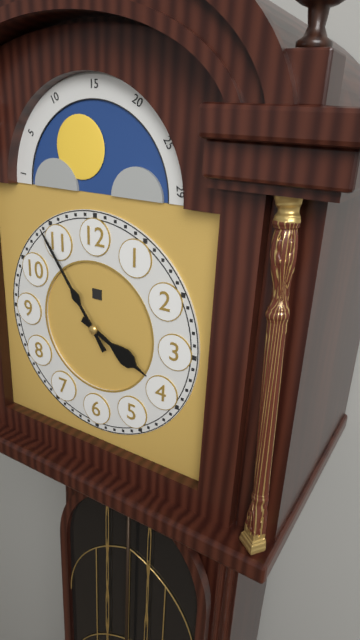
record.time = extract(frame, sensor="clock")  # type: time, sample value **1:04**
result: **3:54**
